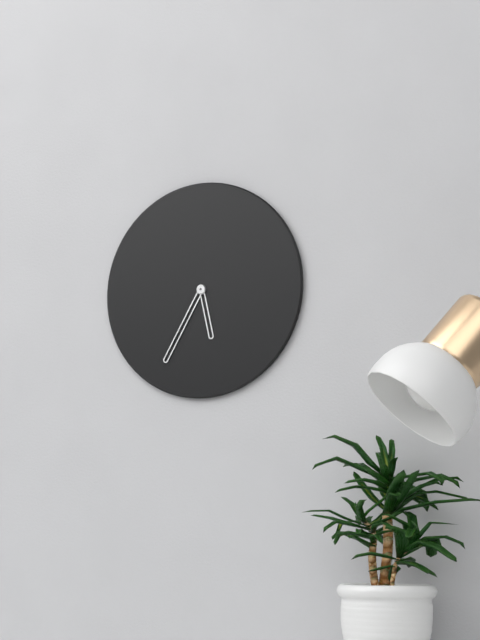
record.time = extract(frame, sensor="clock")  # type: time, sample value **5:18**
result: **5:35**
